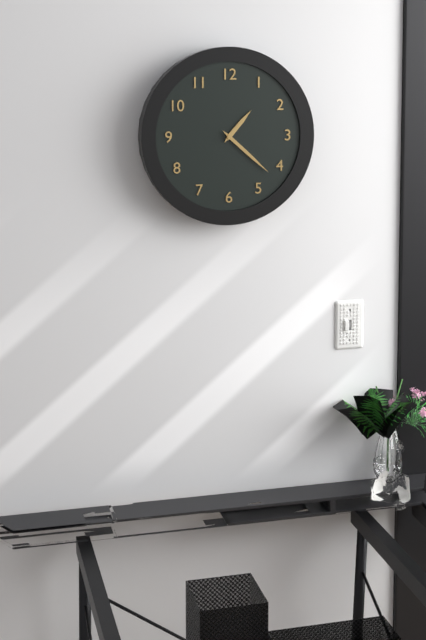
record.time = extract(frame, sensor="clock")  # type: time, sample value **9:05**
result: **1:22**
